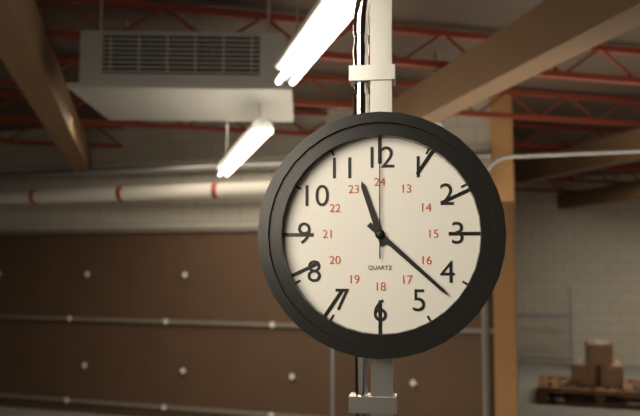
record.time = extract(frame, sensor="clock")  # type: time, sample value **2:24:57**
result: **11:22:00**
